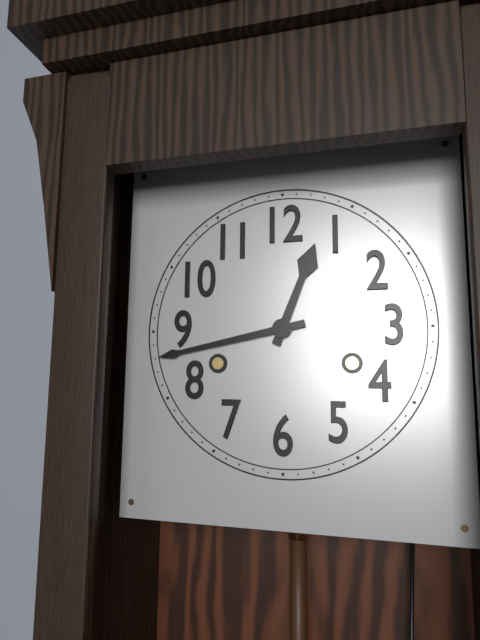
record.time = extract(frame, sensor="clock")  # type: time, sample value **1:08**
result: **12:43**
